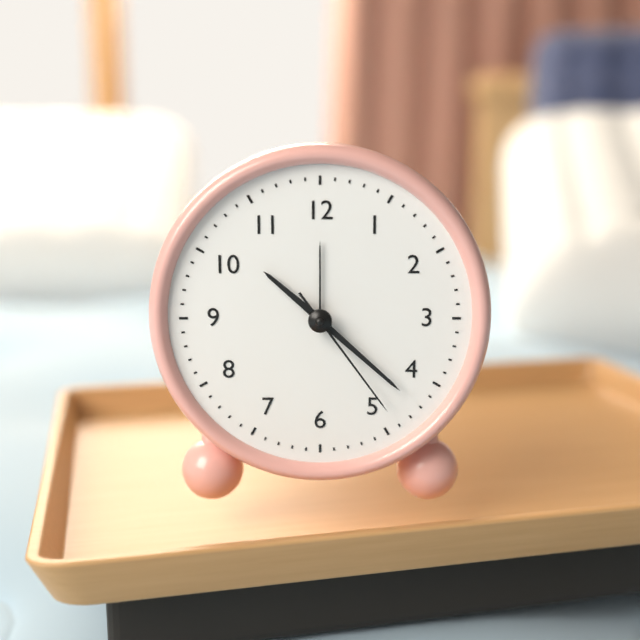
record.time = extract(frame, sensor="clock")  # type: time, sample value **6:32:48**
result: **10:22:24**
